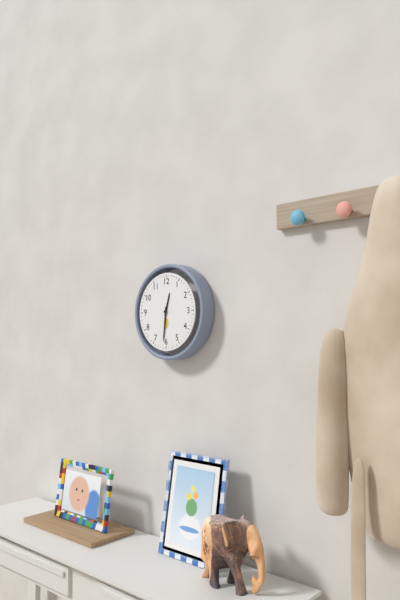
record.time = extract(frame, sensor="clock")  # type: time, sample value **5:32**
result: **12:31**
